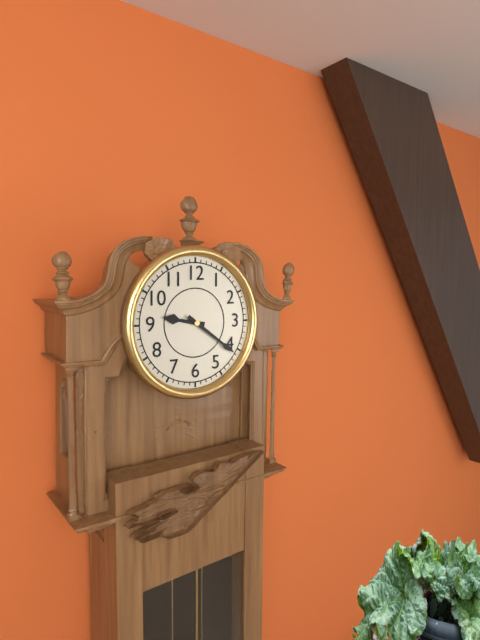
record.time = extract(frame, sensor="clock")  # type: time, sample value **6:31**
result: **9:21**
